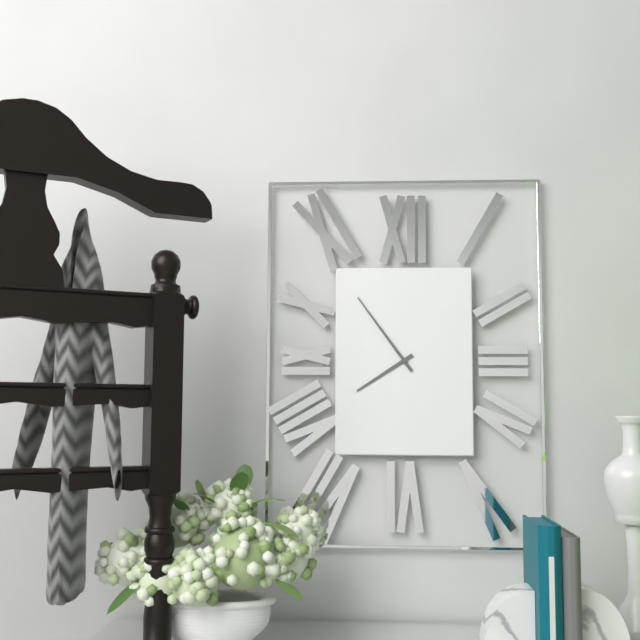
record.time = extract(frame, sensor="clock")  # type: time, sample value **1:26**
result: **7:54**
